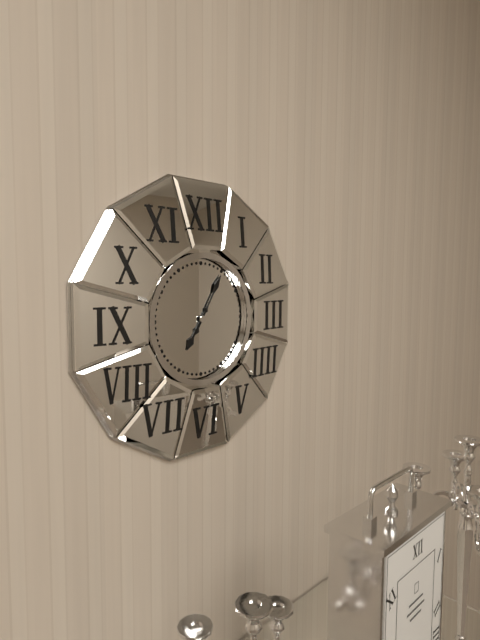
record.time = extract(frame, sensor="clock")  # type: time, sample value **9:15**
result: **7:05**
